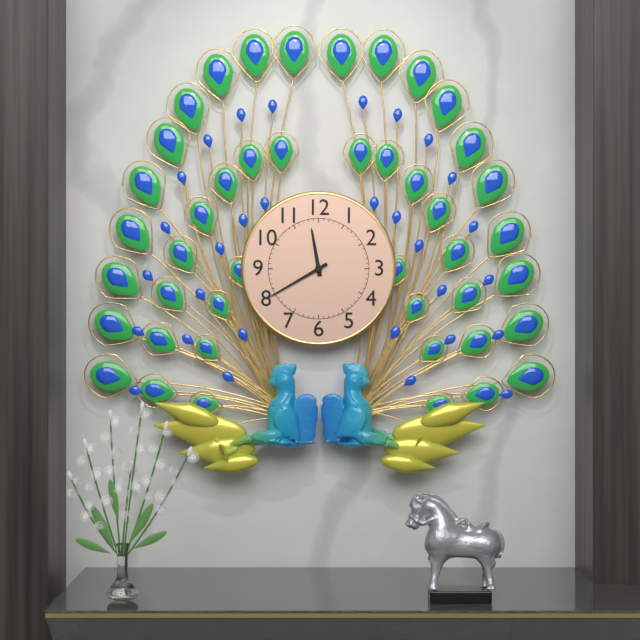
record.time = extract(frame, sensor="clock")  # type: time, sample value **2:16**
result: **11:40**
